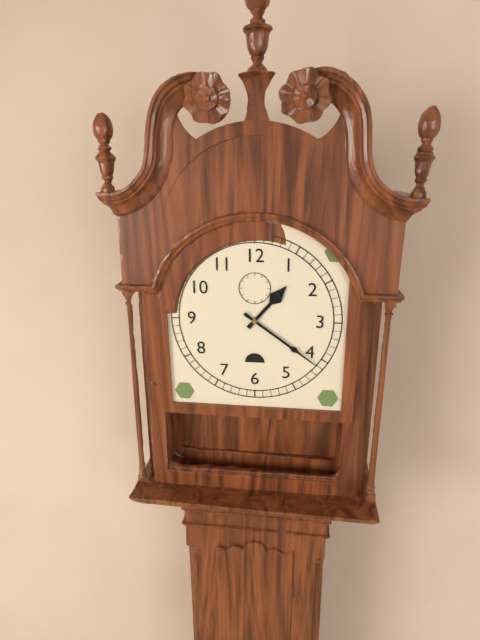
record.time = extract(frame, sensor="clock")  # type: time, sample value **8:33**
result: **1:21**
